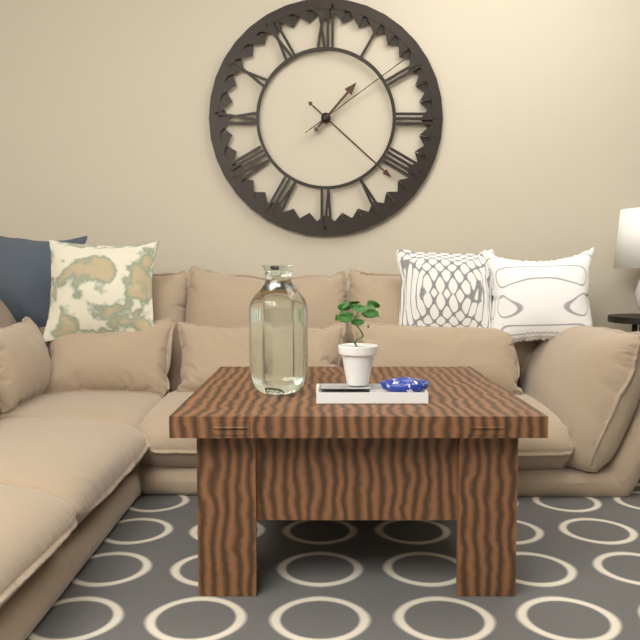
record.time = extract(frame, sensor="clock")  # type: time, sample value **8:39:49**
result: **1:22:09**
